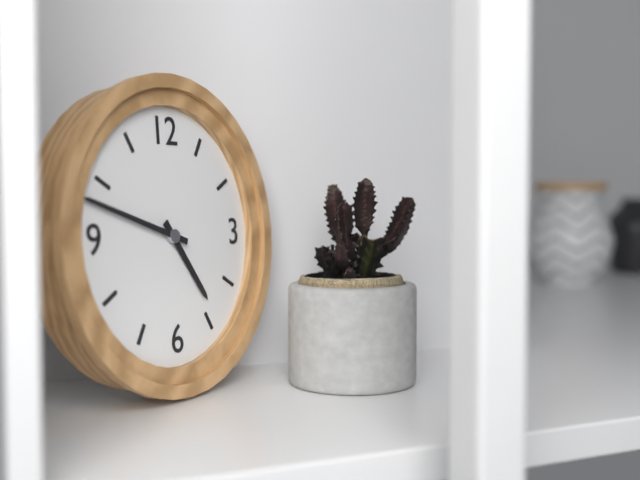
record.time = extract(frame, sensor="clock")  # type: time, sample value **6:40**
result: **4:48**
